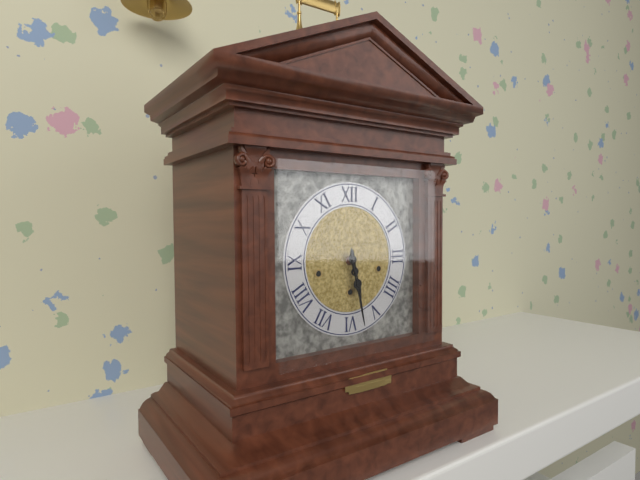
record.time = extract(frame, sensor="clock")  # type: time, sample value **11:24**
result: **5:28**
